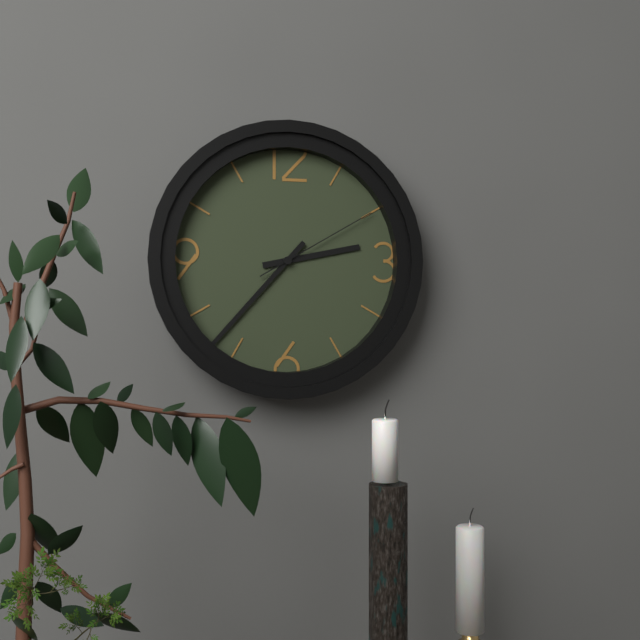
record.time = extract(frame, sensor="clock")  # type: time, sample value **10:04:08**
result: **2:37:10**
